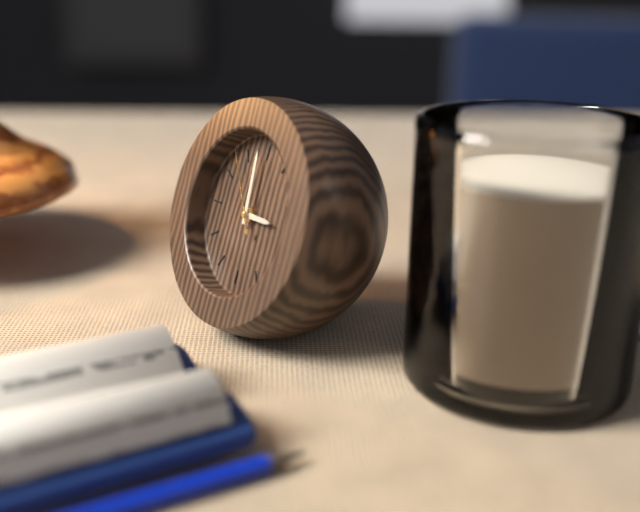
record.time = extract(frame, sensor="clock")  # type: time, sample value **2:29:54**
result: **2:59:54**
